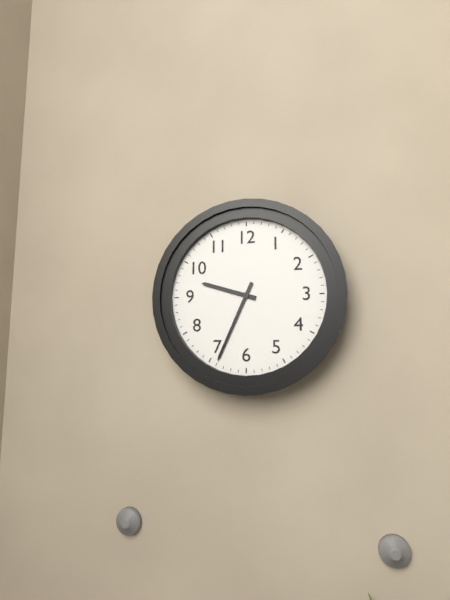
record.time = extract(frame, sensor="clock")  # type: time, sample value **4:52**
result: **9:34**
